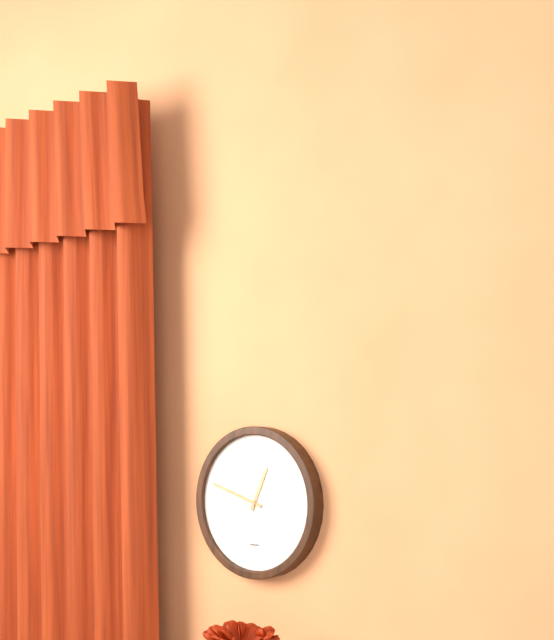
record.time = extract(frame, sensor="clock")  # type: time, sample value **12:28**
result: **12:48**
